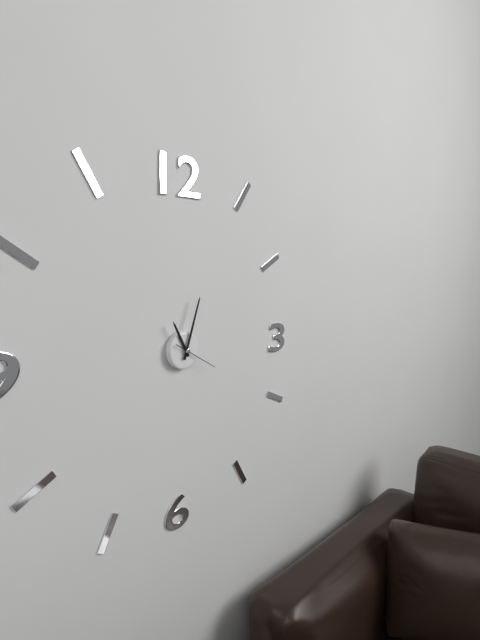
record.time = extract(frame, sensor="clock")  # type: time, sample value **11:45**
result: **11:03**
